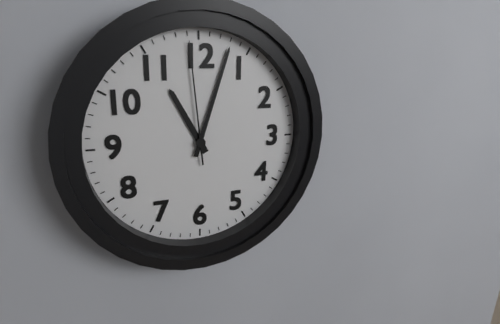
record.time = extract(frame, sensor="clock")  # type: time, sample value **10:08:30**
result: **11:03:59**
